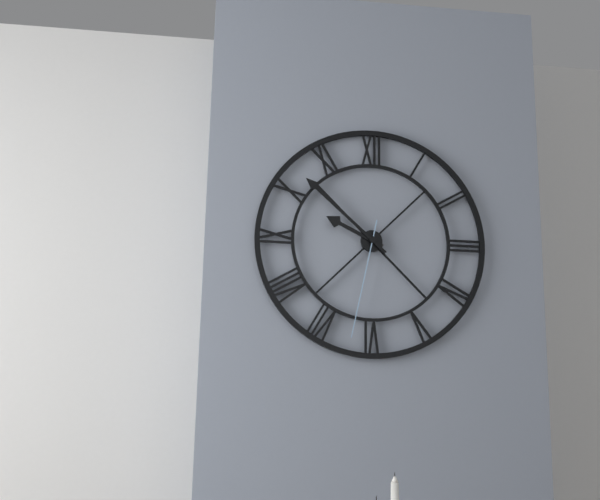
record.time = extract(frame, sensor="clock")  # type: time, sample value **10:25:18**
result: **9:52:32**
